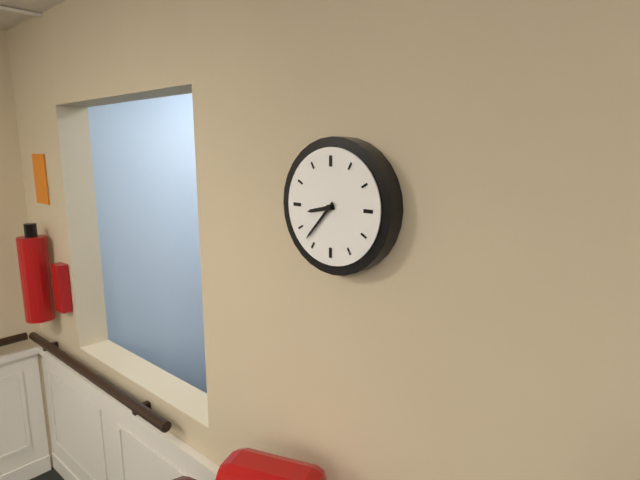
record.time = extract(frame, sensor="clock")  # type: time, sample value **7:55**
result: **8:37**
